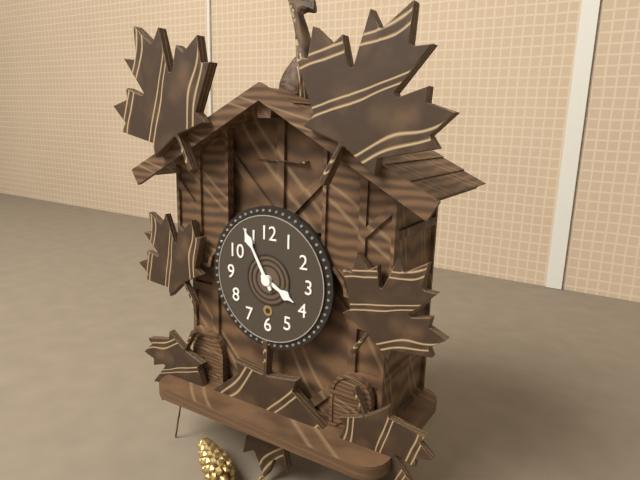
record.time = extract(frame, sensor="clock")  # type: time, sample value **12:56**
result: **3:55**
